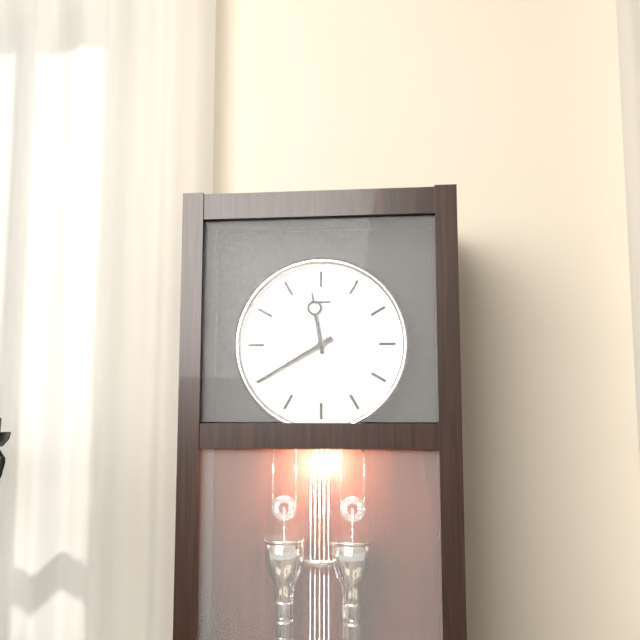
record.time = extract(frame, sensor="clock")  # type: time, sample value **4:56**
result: **11:40**
